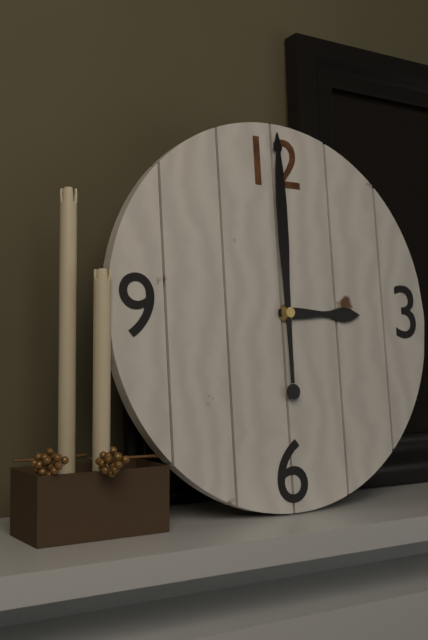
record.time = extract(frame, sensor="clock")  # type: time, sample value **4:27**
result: **3:00**
